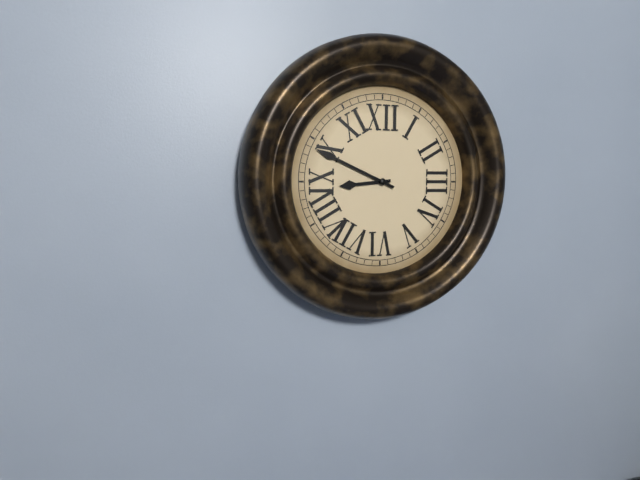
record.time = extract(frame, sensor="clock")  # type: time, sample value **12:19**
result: **8:49**
